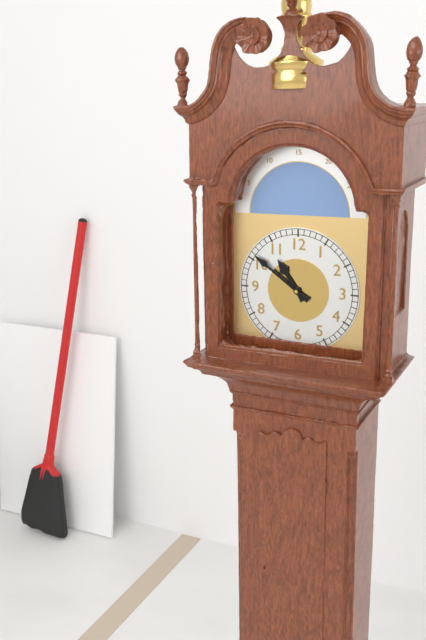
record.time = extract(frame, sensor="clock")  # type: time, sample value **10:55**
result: **10:51**
